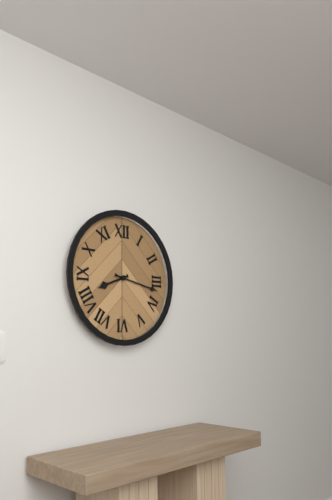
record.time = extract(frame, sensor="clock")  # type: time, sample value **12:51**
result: **8:17**
